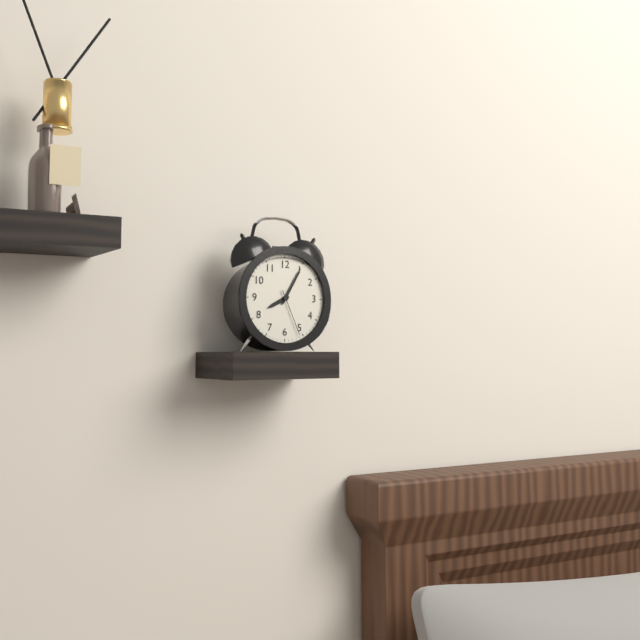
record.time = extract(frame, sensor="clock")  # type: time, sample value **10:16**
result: **8:05**
